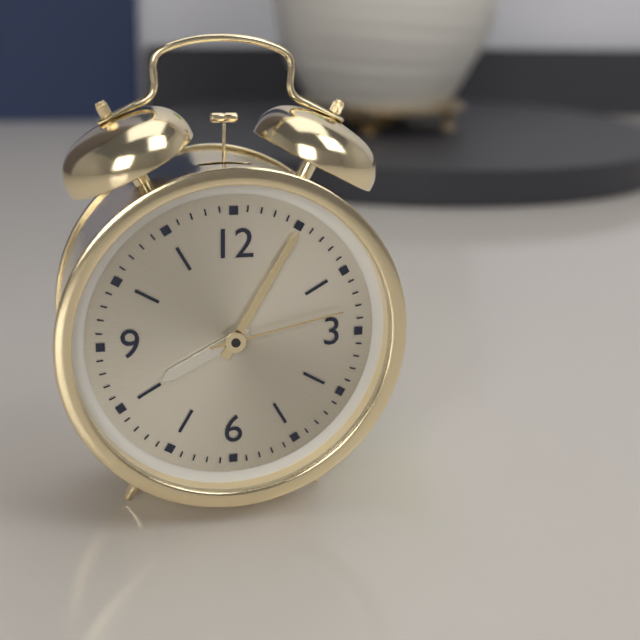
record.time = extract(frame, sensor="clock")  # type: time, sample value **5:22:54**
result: **8:05:13**
